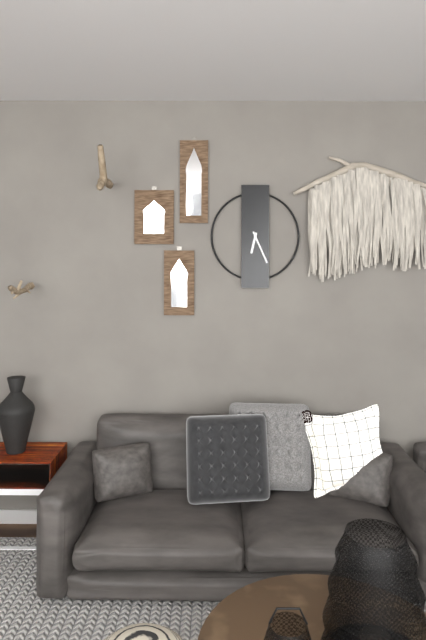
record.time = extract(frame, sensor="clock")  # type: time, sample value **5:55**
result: **6:26**
